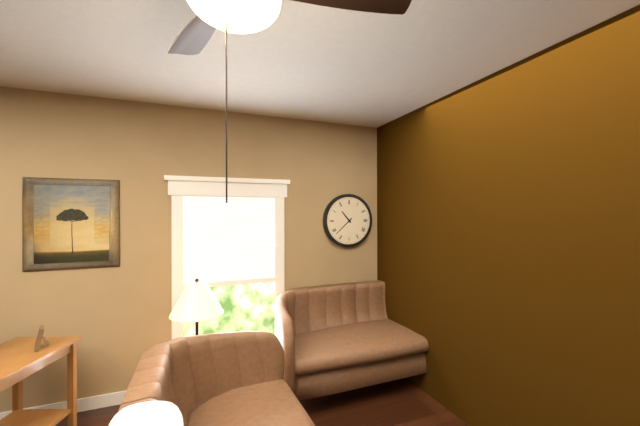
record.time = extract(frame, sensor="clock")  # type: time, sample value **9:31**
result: **10:38**
